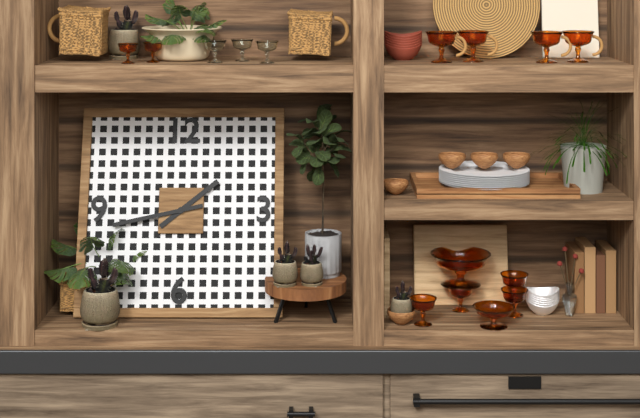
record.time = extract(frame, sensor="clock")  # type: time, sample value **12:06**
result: **1:43**
